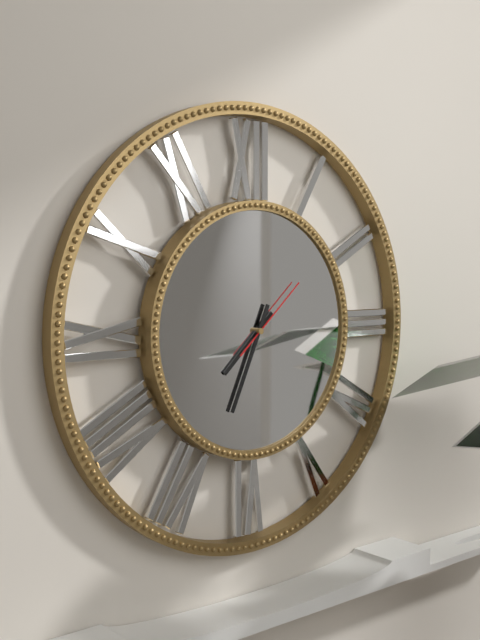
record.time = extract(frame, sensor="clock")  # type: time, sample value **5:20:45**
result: **7:34:08**
